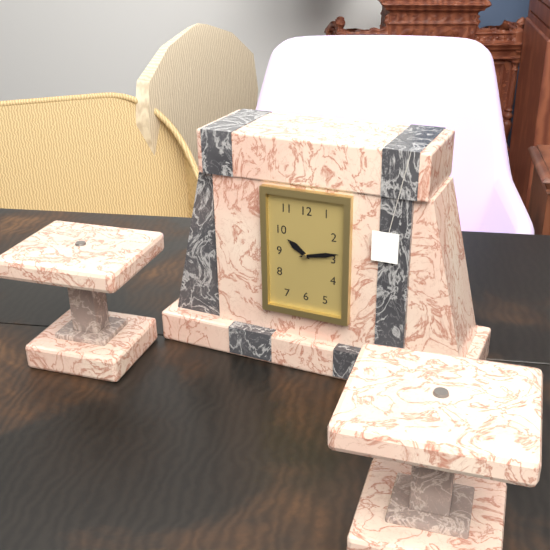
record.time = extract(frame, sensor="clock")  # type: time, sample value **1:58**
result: **10:13**
